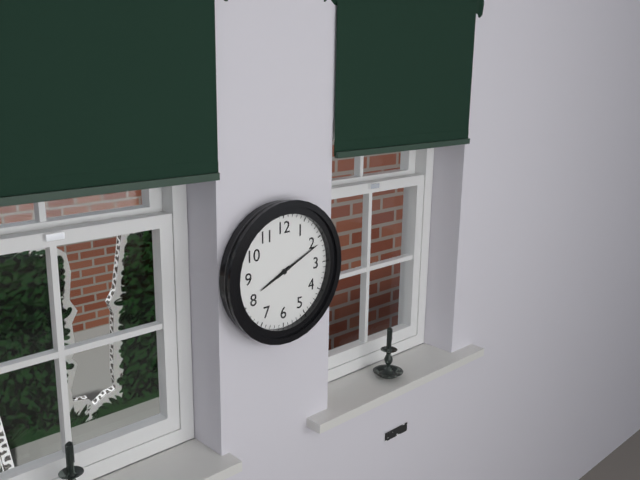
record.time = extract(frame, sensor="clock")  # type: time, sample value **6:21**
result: **8:11**
